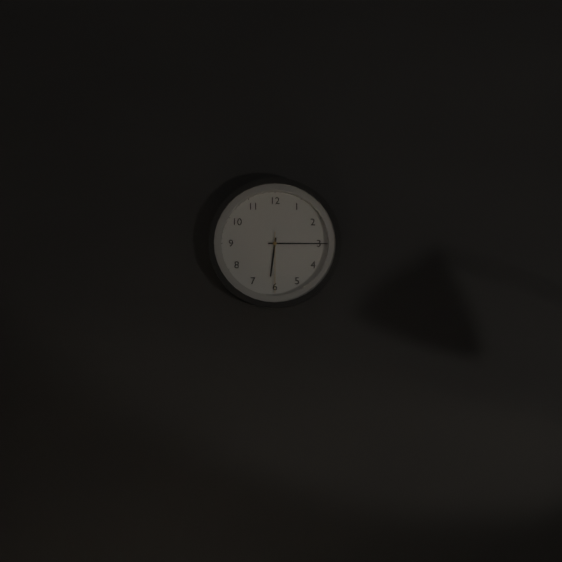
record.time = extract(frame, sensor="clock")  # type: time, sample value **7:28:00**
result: **6:15:30**
